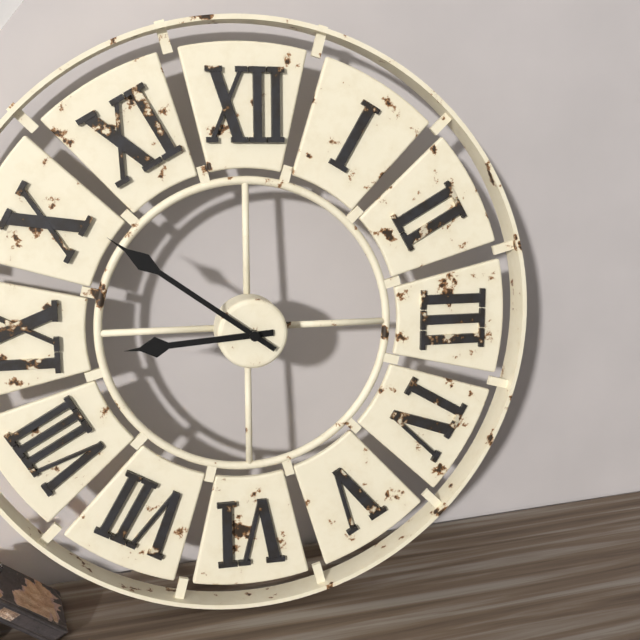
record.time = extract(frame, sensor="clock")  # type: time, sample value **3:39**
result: **8:51**
